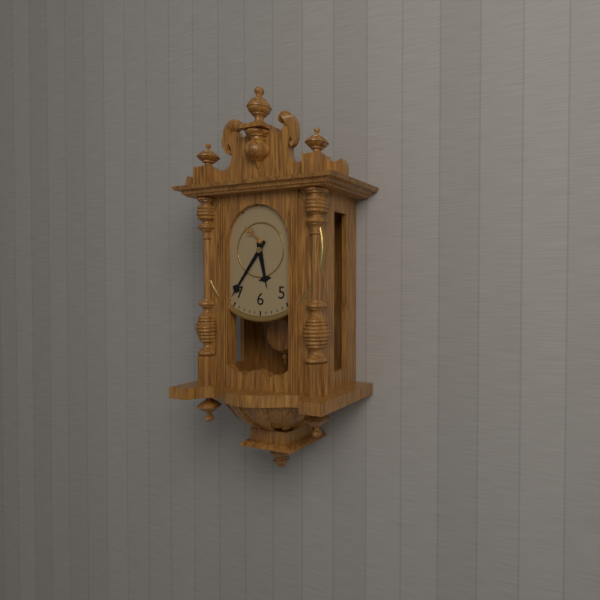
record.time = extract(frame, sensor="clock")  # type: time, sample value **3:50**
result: **5:36**
